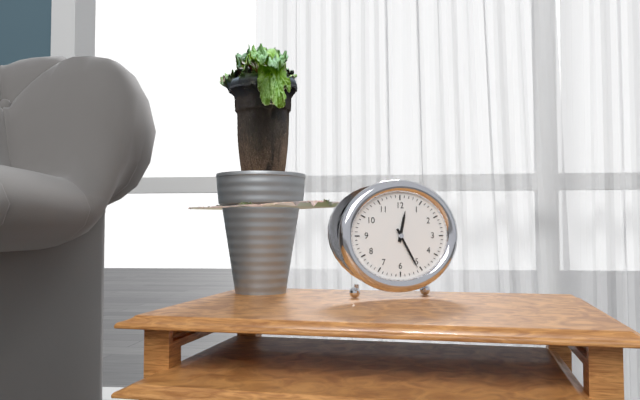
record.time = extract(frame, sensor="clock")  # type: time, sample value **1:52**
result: **12:25**
